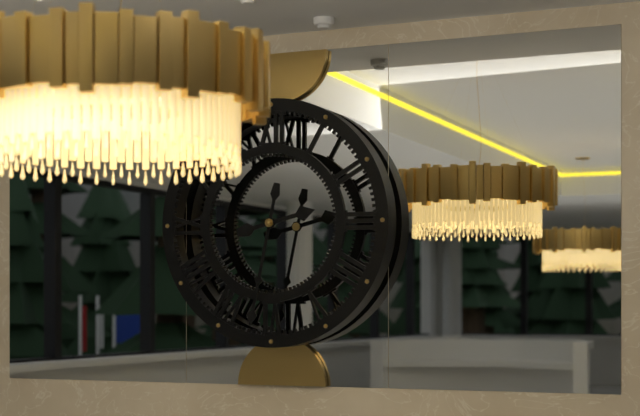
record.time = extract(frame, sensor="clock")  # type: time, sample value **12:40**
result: **2:32**
